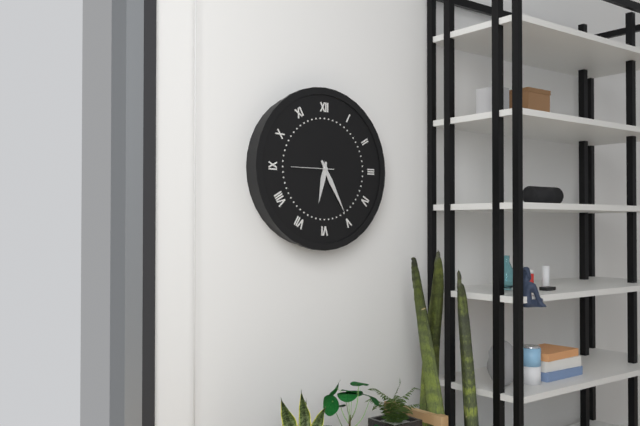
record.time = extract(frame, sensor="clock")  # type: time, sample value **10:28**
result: **6:25**
